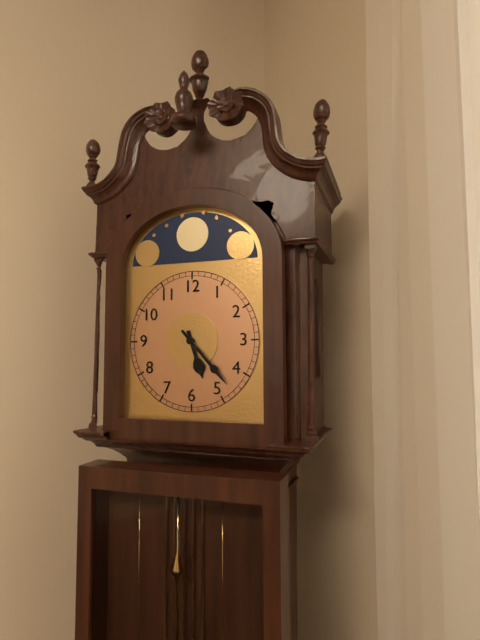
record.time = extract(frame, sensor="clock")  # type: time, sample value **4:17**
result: **5:23**
